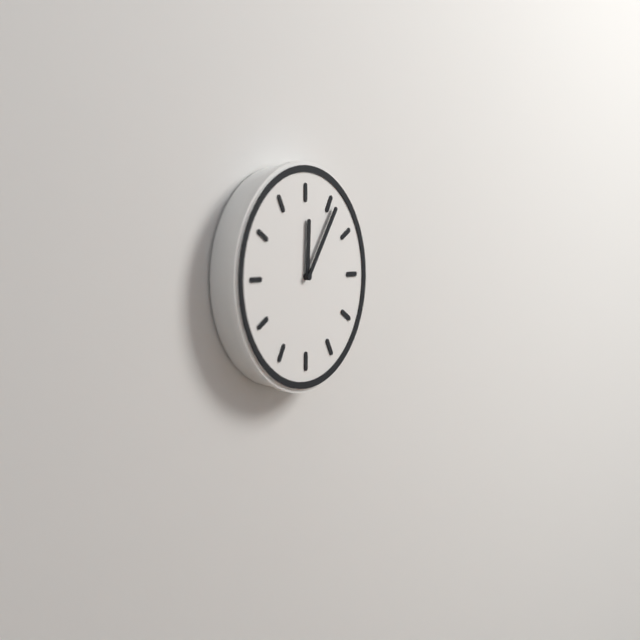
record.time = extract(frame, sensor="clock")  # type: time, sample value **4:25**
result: **12:06**
